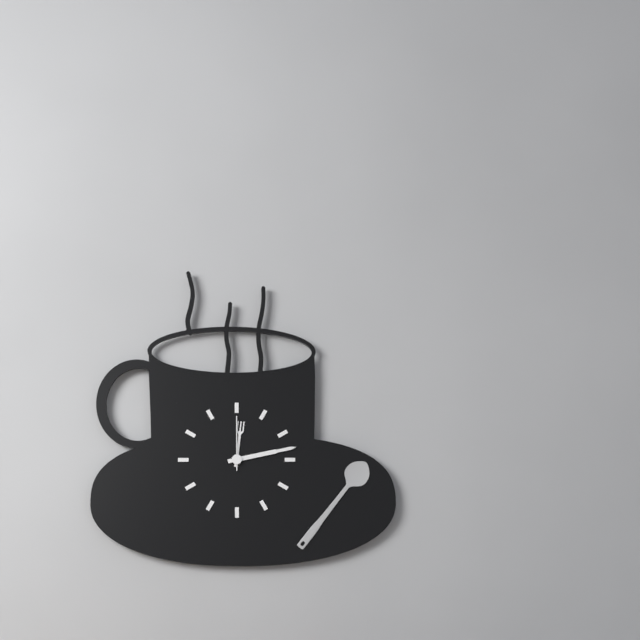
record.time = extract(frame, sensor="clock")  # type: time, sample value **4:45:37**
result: **12:13:00**
